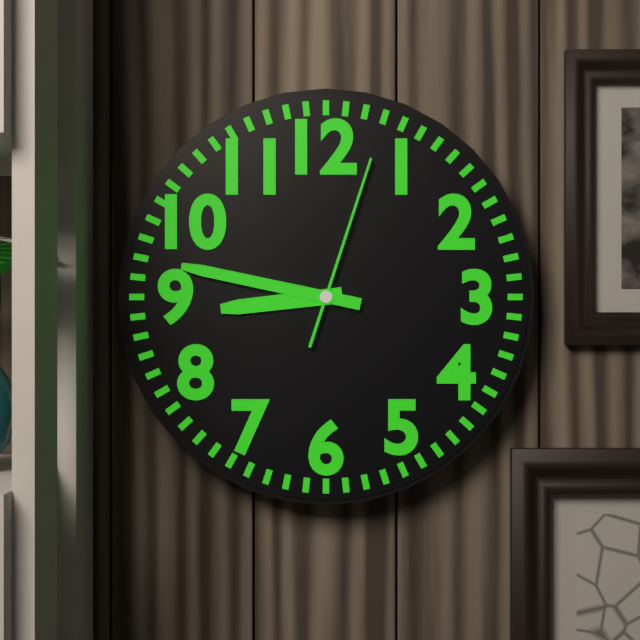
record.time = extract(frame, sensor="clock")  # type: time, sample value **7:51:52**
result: **8:47:03**
